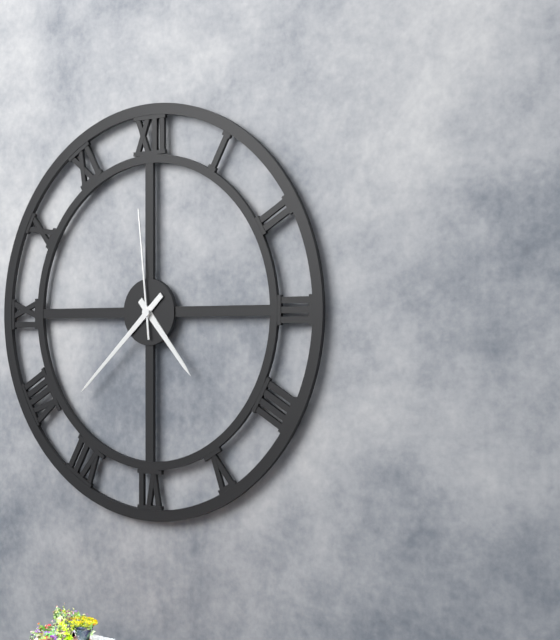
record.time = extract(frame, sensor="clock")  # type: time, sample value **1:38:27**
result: **4:38:59**
